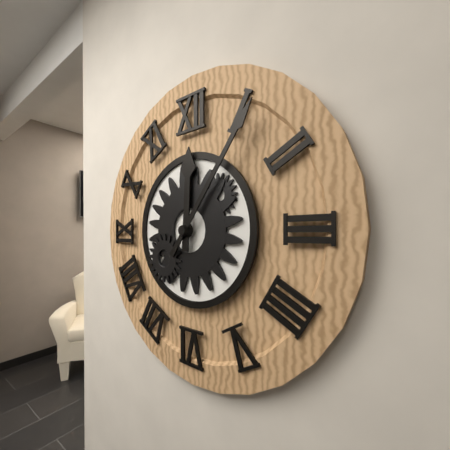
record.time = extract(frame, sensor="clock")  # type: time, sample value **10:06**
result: **12:06**
